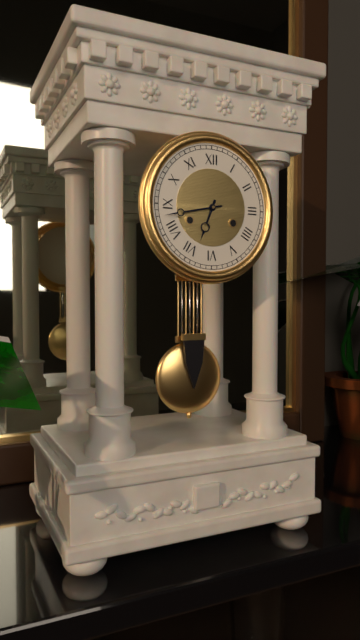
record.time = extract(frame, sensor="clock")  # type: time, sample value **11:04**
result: **6:43**
